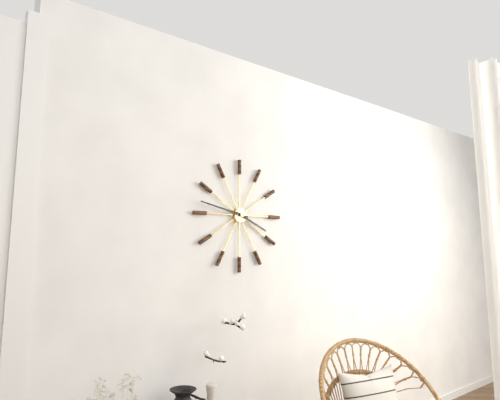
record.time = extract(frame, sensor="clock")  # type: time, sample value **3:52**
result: **3:47**
